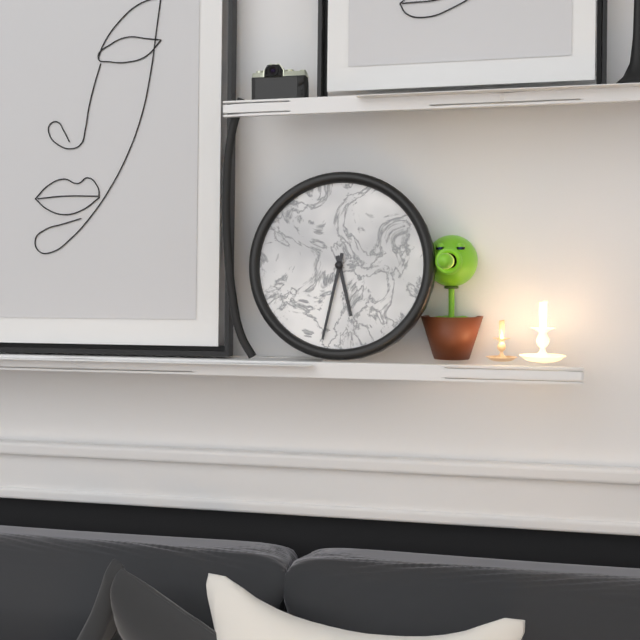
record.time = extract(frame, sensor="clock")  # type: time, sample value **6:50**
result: **5:32**
